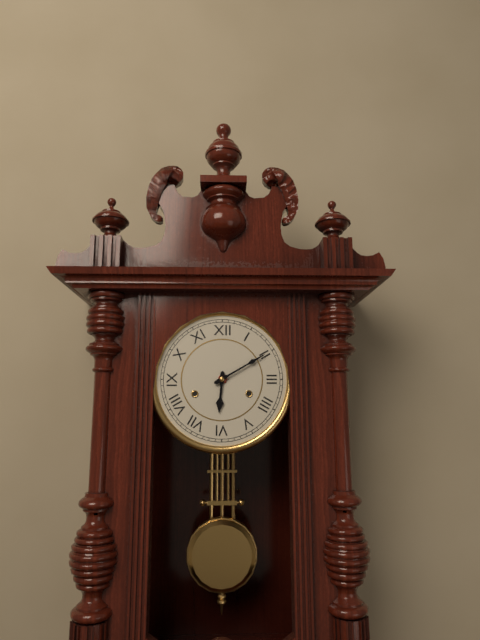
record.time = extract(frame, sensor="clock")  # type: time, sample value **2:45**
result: **6:10**
